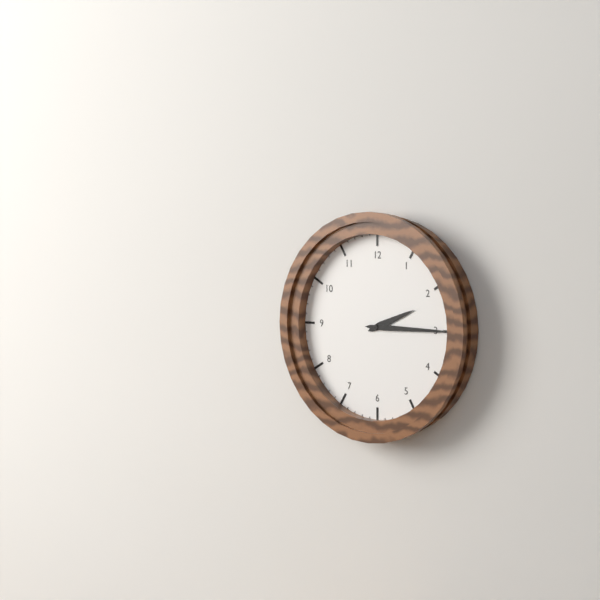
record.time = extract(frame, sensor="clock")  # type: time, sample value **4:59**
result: **2:15**
